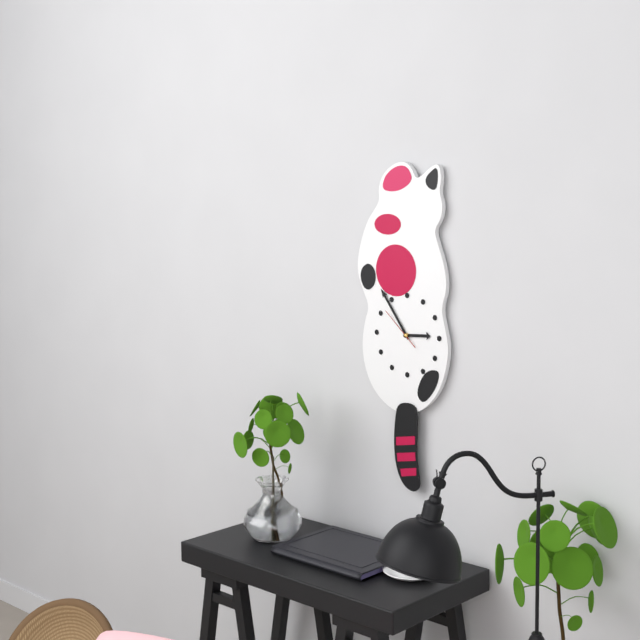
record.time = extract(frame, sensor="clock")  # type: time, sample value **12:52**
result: **2:54**
